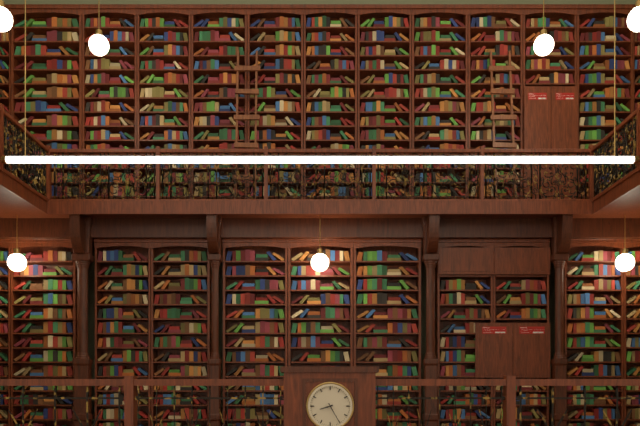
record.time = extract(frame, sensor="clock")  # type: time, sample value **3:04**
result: **8:25**
